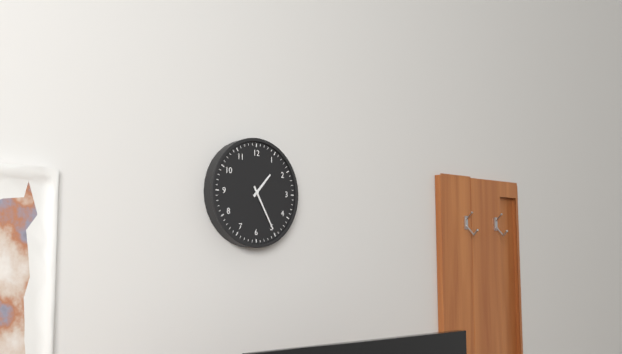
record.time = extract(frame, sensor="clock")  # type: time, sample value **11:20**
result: **1:25**
